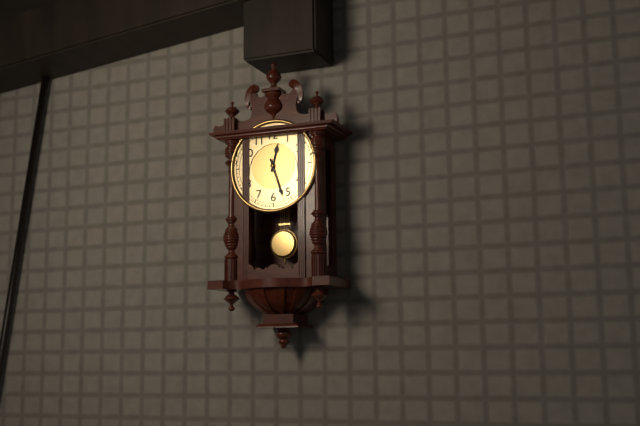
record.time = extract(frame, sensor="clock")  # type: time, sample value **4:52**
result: **12:27**
